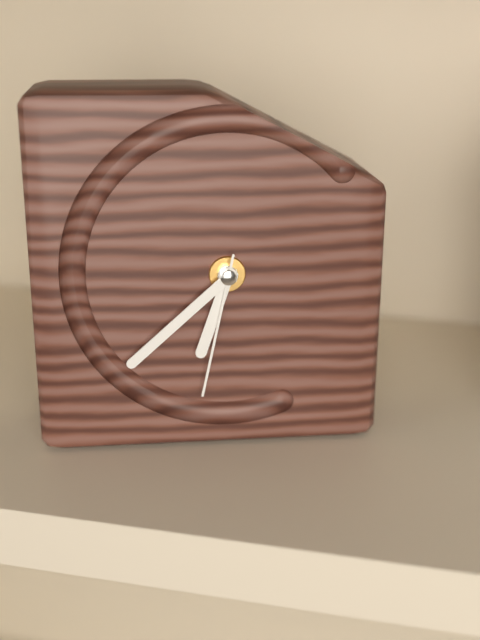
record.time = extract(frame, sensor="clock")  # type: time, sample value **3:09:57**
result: **6:38:32**
